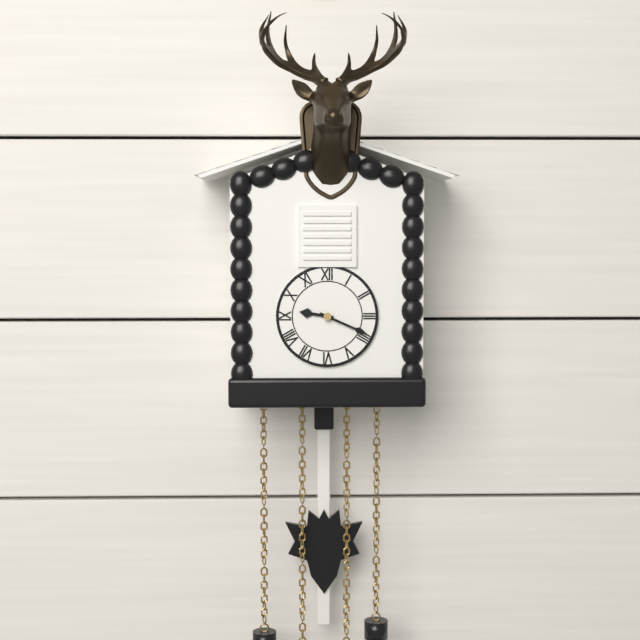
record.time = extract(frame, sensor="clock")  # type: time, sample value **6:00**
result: **9:19**
